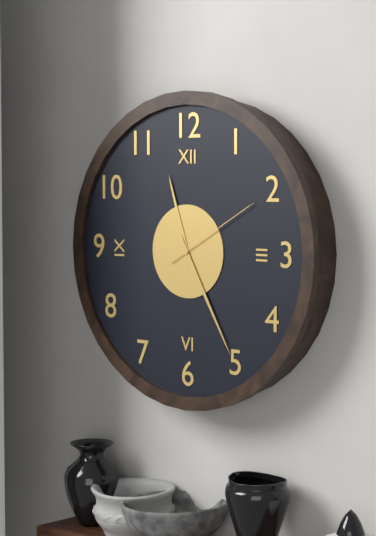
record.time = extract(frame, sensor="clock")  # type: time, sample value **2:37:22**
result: **11:25:10**
